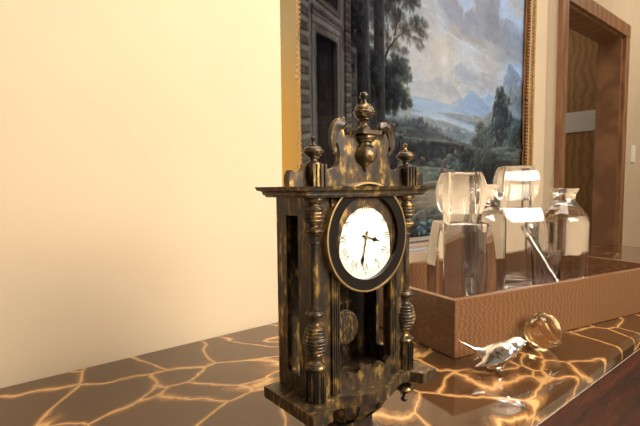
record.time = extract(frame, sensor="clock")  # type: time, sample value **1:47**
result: **3:32**
